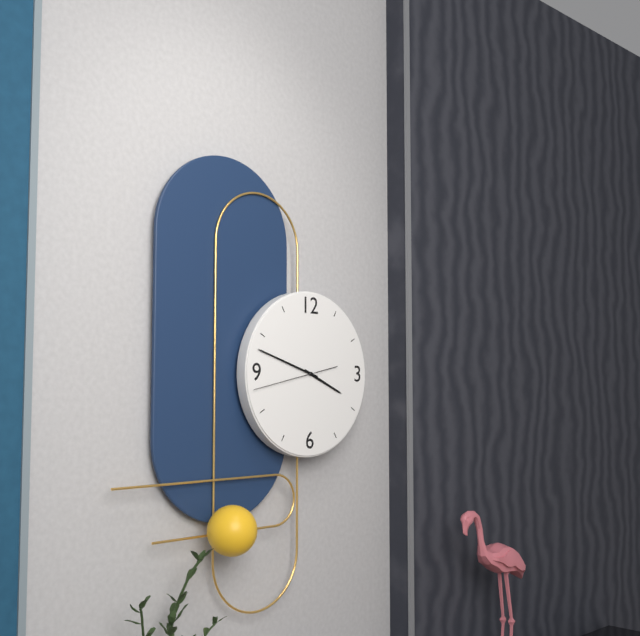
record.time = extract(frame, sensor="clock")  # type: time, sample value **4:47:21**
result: **3:48:43**
